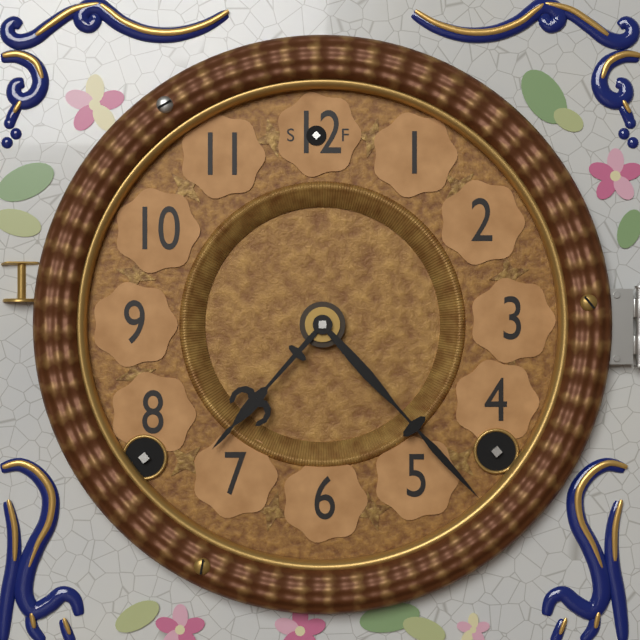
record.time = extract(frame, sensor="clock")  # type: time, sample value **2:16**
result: **7:23**
